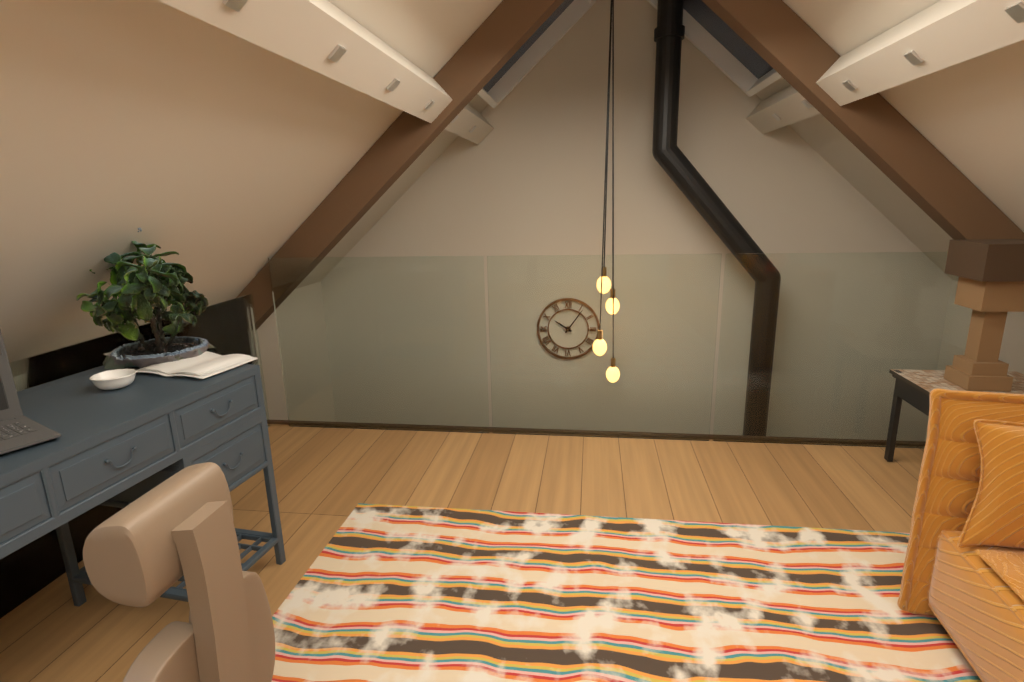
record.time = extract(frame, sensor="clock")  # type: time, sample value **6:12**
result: **10:06**
